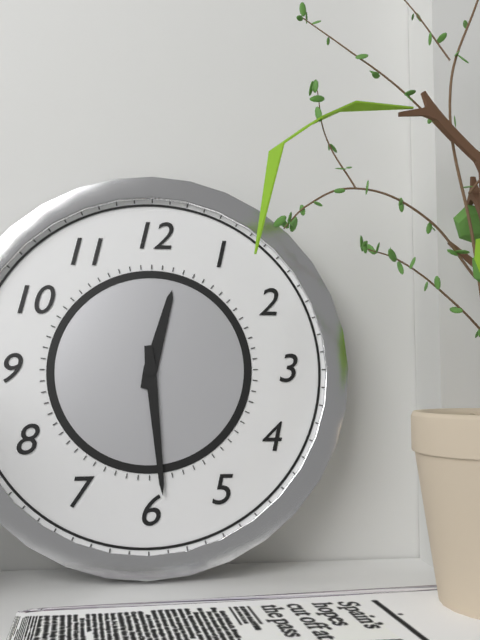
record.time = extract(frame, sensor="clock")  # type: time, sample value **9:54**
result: **12:29**
